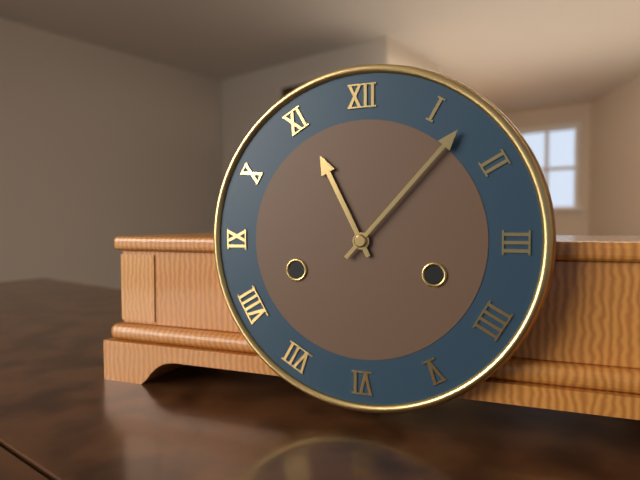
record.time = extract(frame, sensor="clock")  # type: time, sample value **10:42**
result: **11:07**
